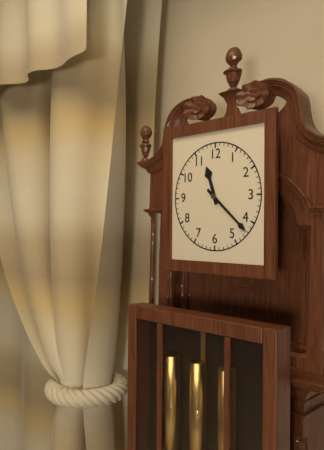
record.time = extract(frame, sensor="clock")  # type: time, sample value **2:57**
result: **11:22**
